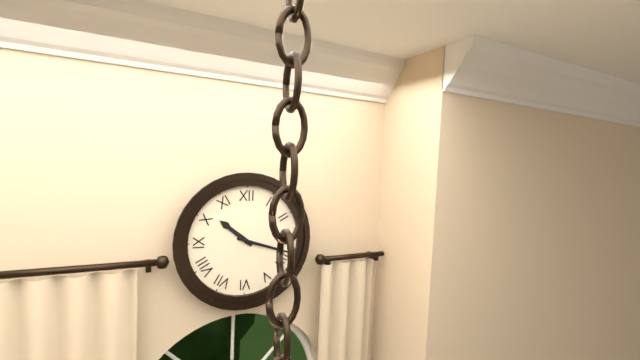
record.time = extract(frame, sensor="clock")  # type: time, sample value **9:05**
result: **10:18**
